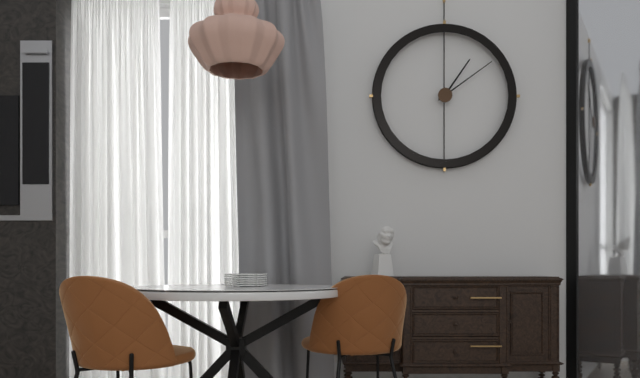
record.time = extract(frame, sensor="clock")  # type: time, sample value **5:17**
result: **1:09**
